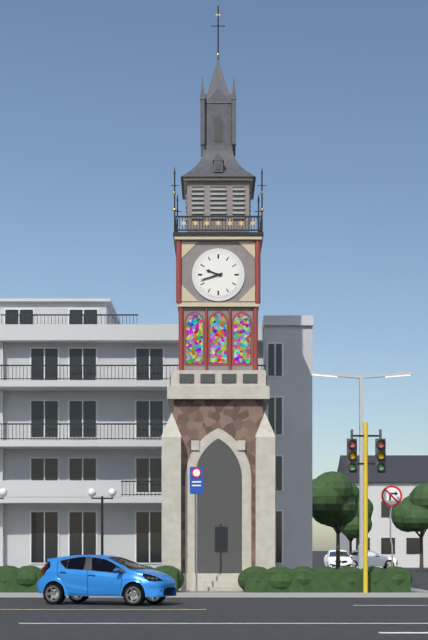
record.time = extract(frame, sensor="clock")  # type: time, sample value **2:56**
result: **9:42**
